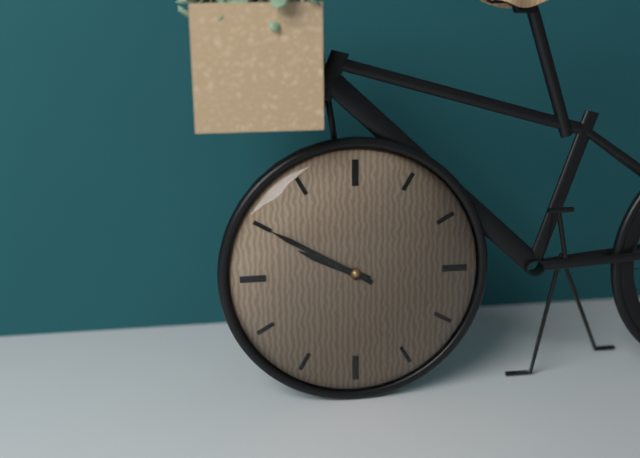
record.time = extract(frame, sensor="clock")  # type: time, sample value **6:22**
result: **9:50**
